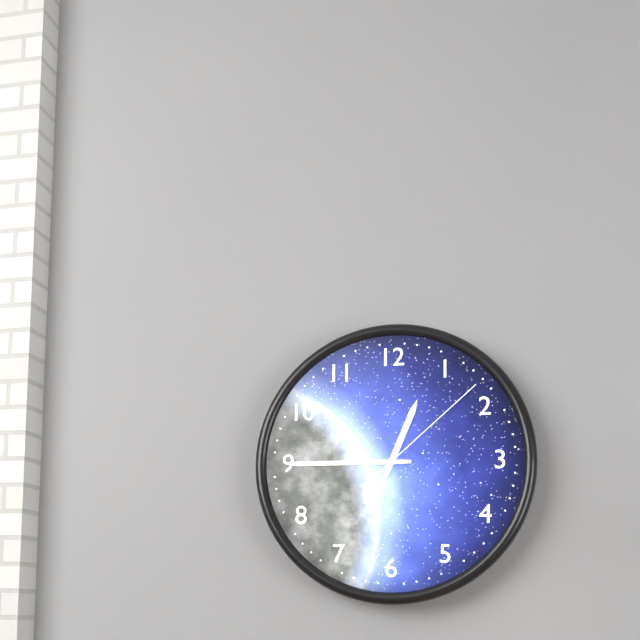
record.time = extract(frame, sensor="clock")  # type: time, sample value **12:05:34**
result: **12:45:08**
